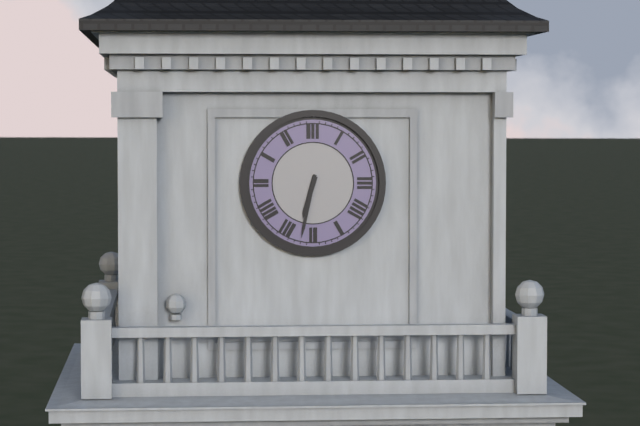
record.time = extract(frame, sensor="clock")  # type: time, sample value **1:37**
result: **6:32**
